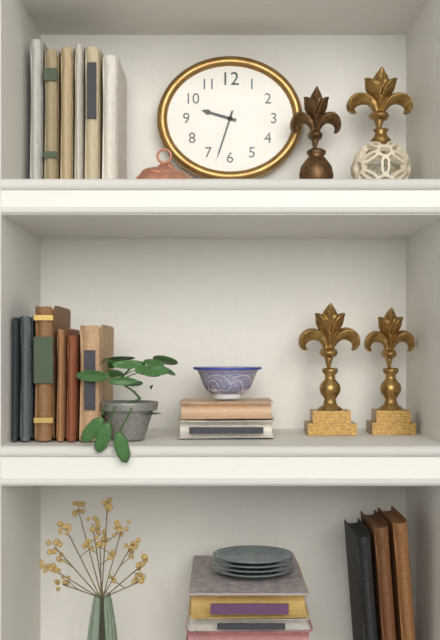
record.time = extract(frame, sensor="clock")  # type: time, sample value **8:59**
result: **9:33**
